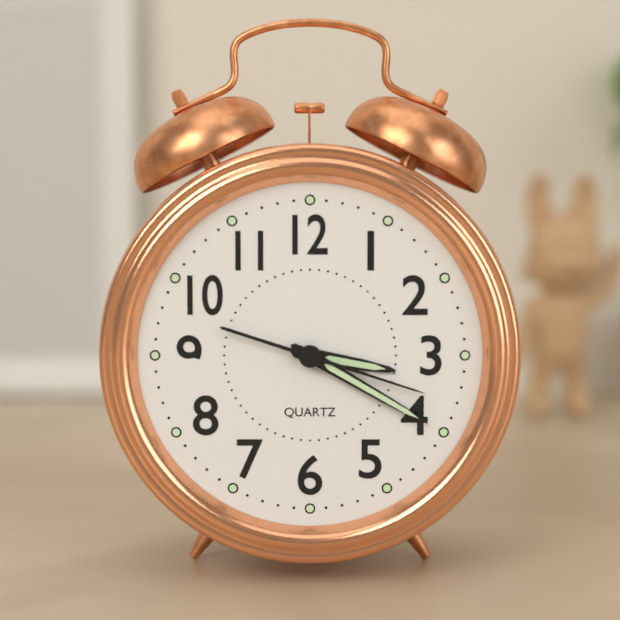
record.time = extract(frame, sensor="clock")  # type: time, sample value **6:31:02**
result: **3:20:18**
